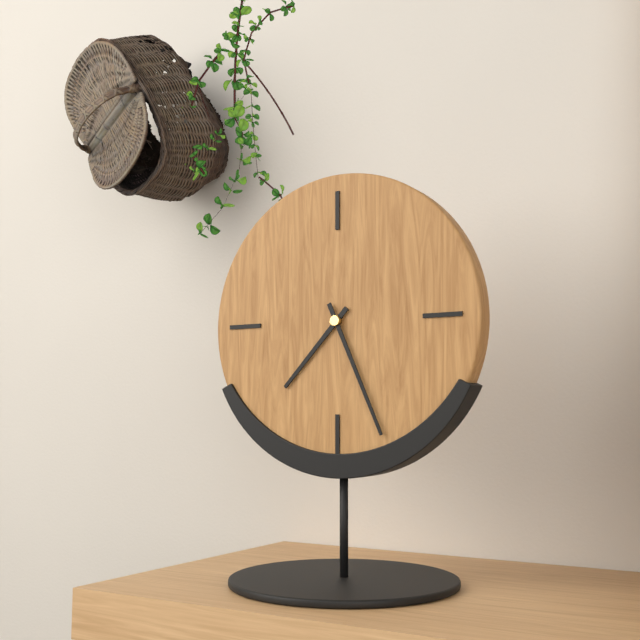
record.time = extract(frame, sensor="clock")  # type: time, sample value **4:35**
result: **7:26**
